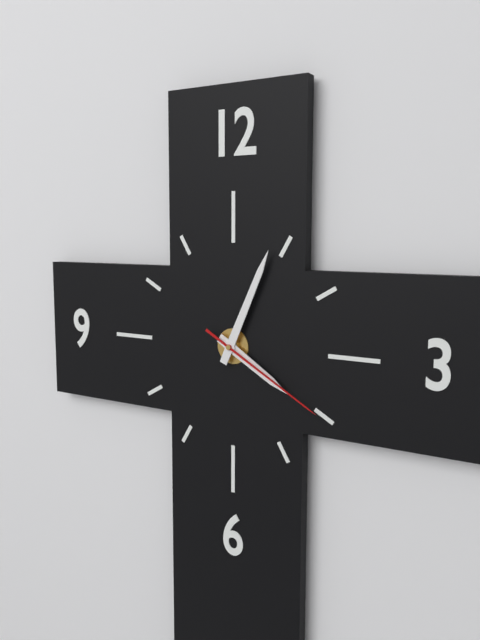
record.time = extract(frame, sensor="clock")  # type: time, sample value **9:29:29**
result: **4:04:20**
